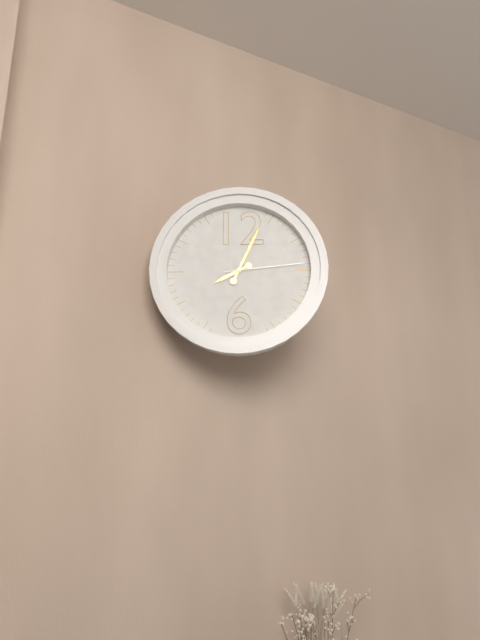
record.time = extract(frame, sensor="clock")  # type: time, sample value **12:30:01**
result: **8:04:14**
